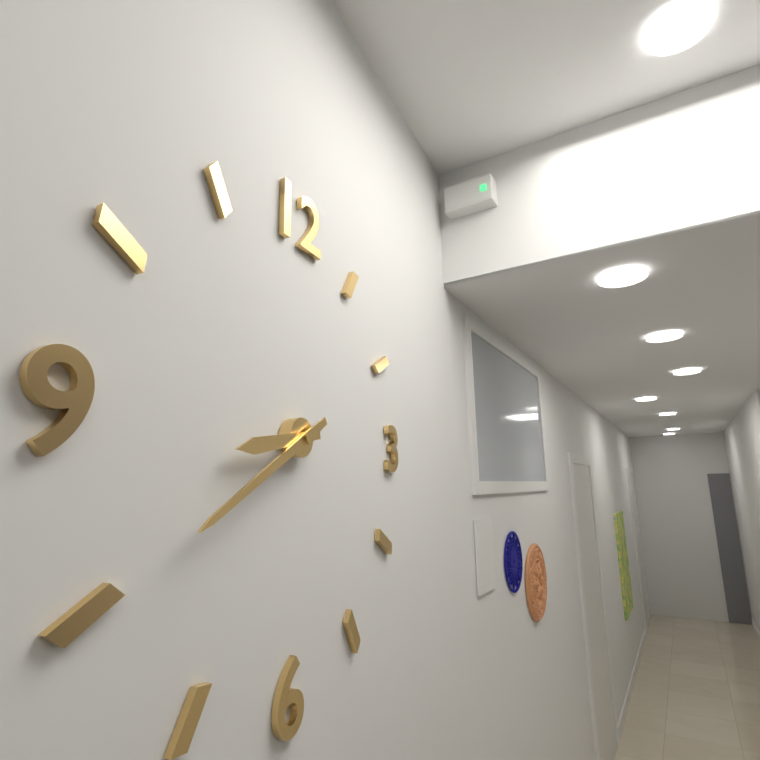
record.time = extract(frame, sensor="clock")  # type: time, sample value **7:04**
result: **8:40**
